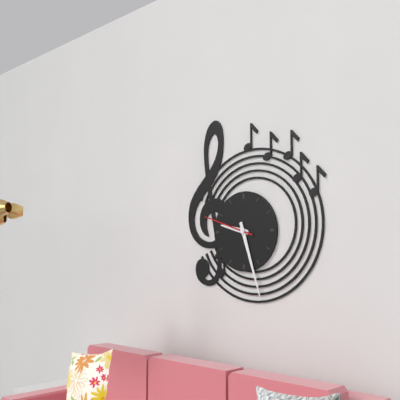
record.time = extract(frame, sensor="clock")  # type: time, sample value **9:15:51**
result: **9:27:48**
